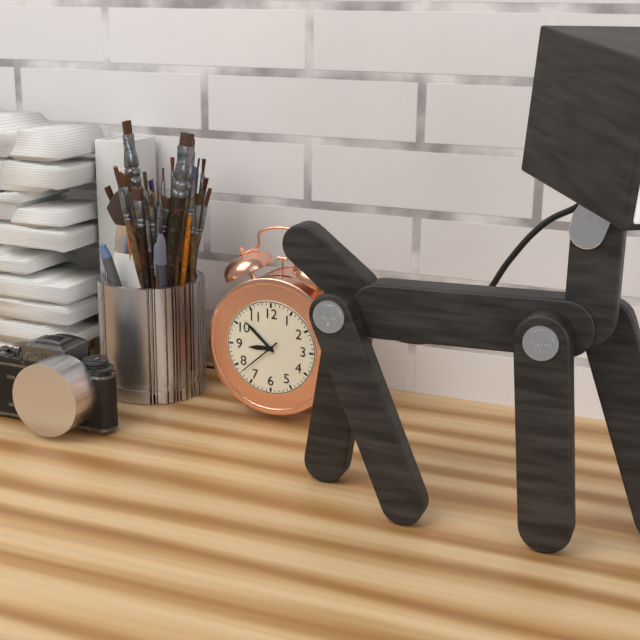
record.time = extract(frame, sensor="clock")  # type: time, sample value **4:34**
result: **8:52**
